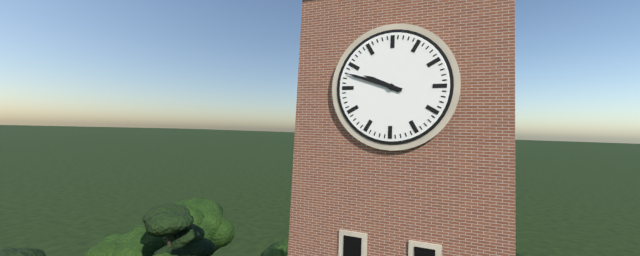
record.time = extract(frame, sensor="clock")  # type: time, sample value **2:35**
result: **9:48**
